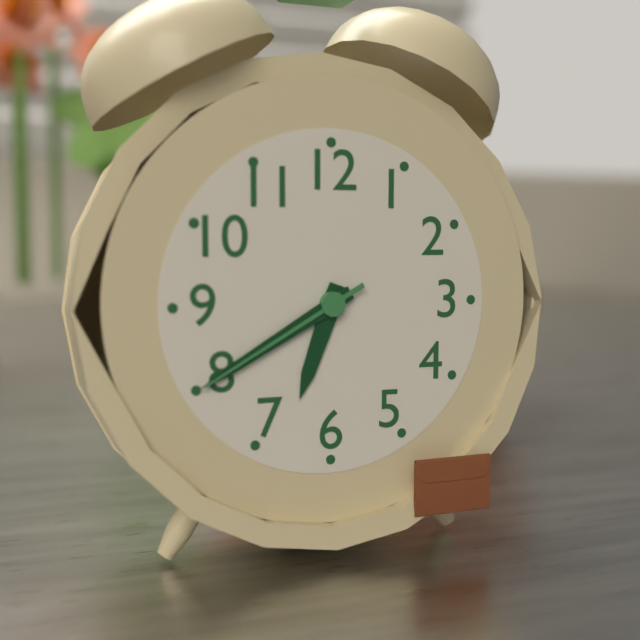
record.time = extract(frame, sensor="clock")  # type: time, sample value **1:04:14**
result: **6:40:40**
